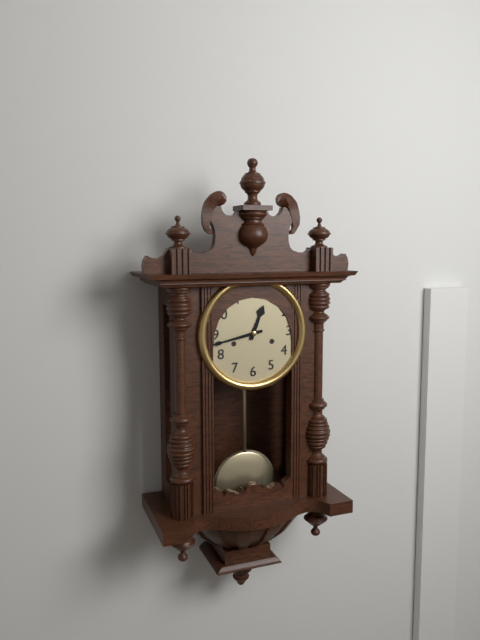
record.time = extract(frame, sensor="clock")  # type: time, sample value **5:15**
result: **12:43**
